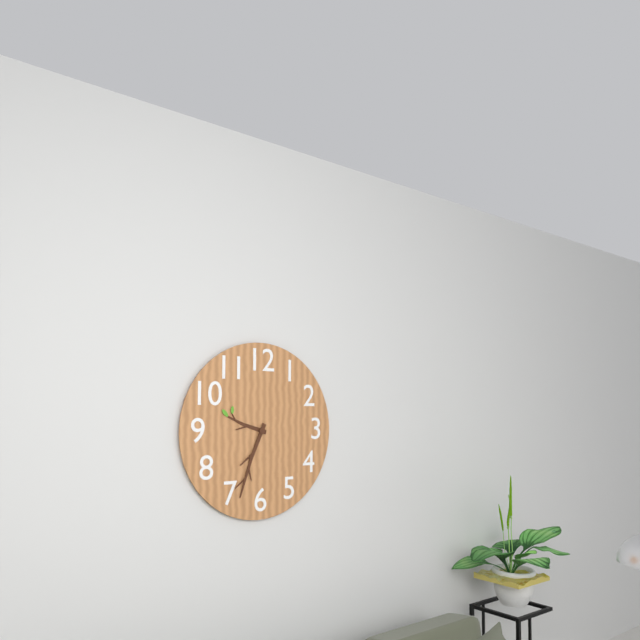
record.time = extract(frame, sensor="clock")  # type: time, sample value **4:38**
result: **9:34**
